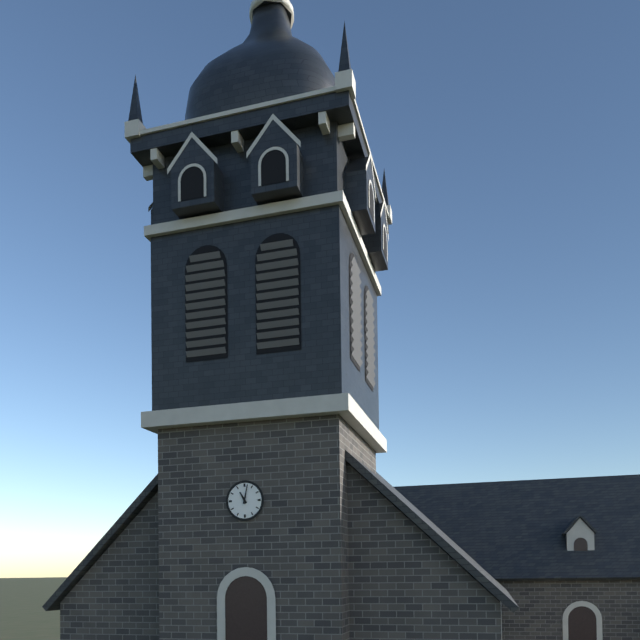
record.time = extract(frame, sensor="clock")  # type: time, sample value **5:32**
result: **11:02**
